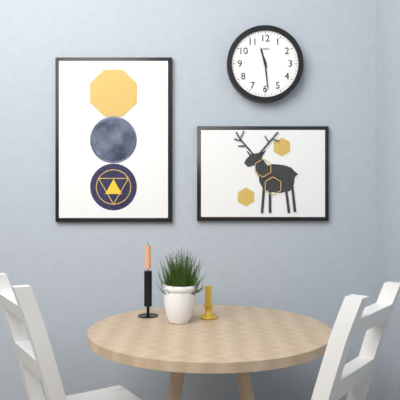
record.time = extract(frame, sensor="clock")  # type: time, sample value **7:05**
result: **11:29**
